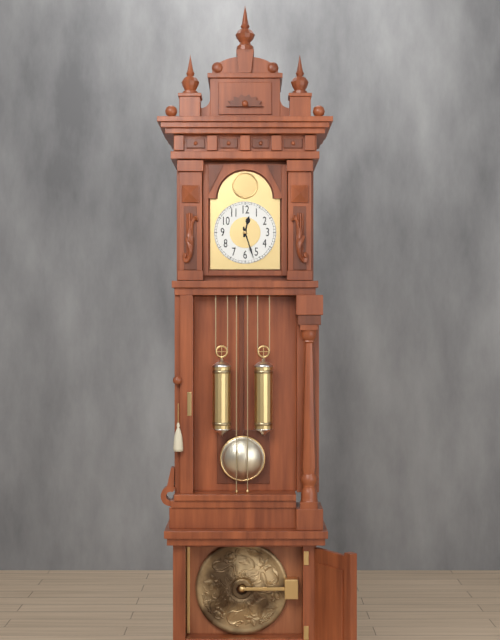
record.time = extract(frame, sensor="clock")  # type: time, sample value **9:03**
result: **12:27**
